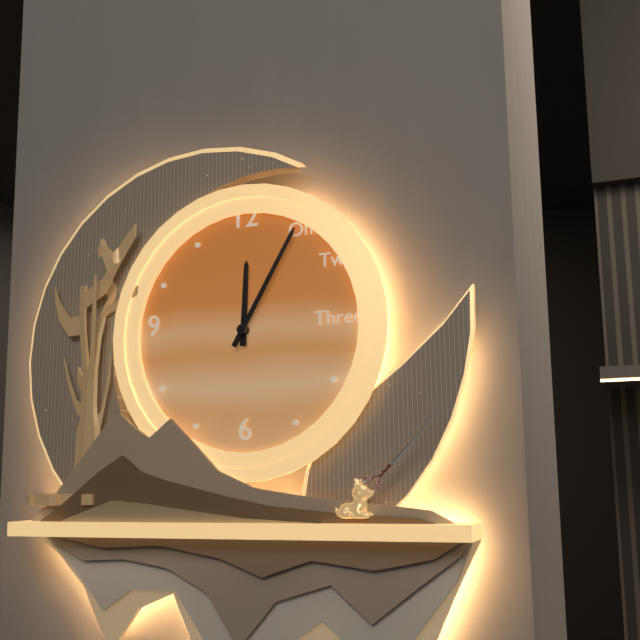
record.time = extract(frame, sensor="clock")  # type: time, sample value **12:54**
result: **12:05**
